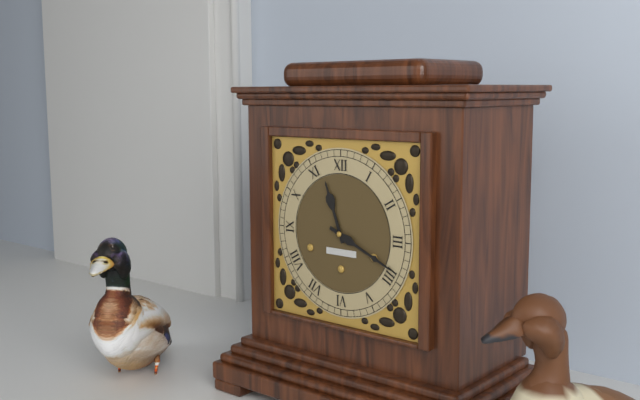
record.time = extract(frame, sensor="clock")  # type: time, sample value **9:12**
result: **11:19**
